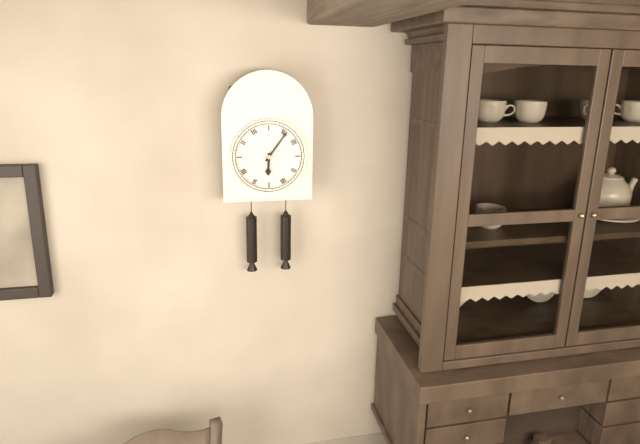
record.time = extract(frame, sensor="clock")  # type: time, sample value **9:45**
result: **6:06**
